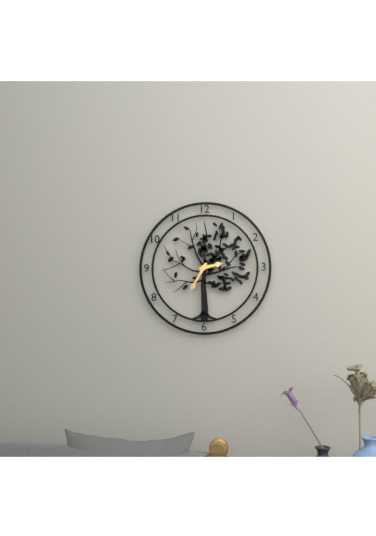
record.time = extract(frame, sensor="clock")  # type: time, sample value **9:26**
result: **2:35**
